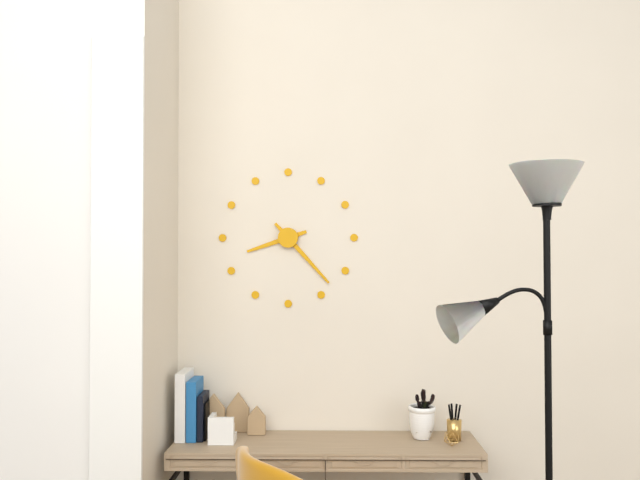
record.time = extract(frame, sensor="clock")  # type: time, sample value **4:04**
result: **8:23**
